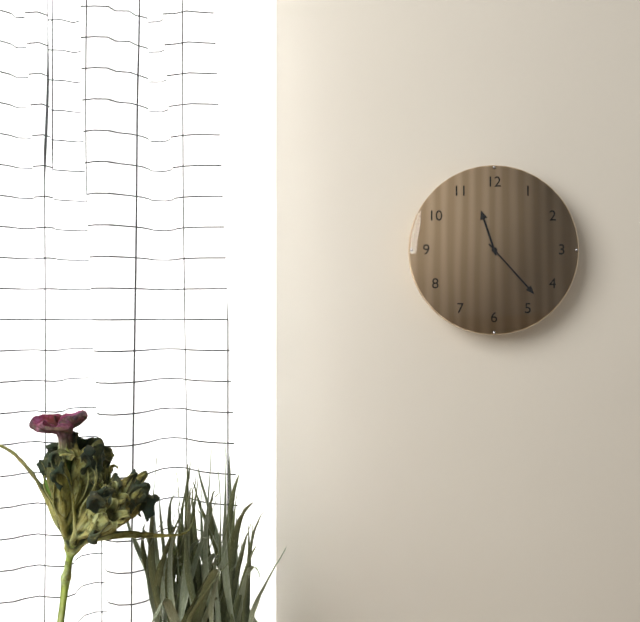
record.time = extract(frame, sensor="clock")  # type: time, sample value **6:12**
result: **11:23**
